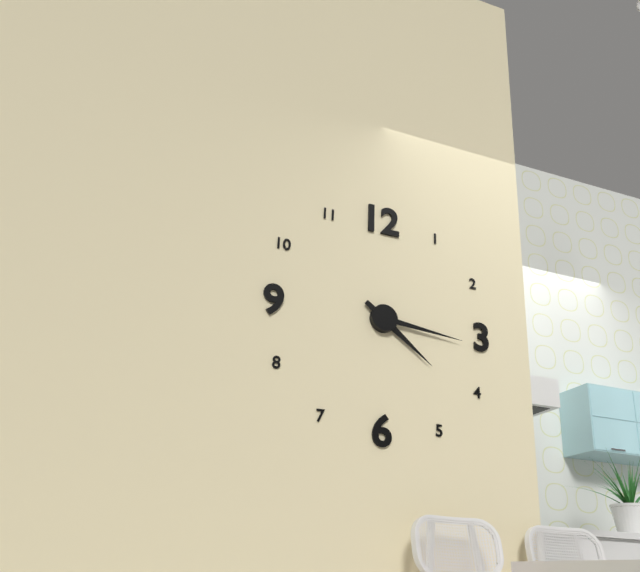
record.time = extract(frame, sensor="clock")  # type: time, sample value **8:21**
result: **4:16**
